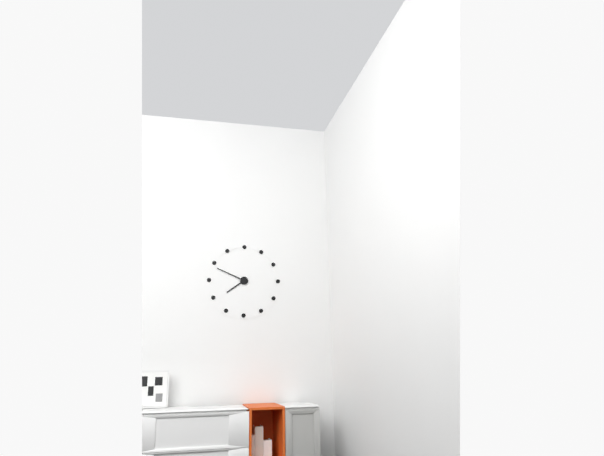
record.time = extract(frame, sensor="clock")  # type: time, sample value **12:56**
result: **7:49**
